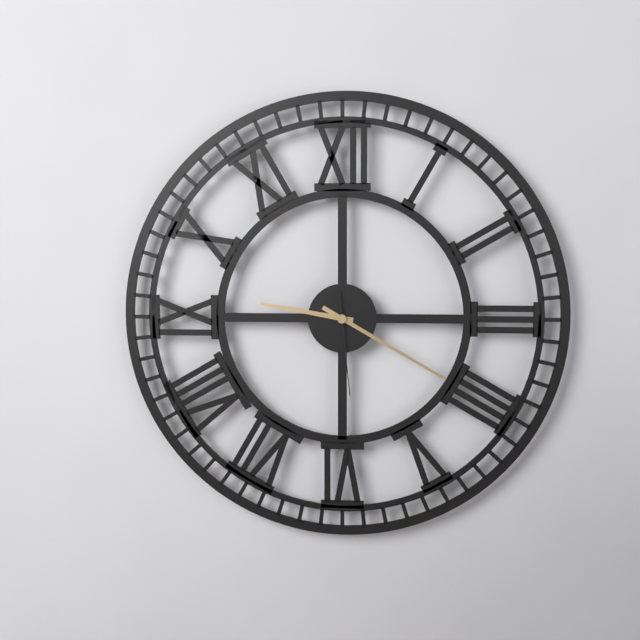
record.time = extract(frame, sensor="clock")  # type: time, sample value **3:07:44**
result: **9:20:29**
